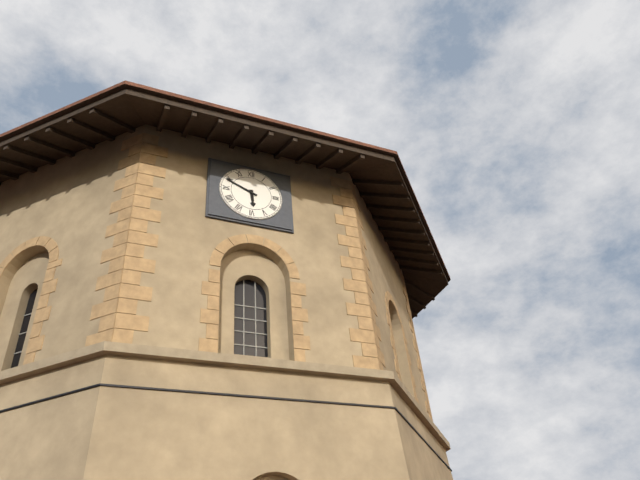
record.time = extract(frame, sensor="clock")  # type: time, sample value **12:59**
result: **5:49**
